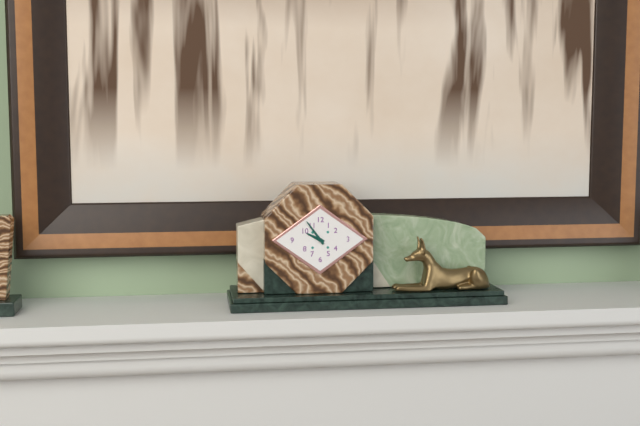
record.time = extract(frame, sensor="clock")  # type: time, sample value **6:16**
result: **9:54**
